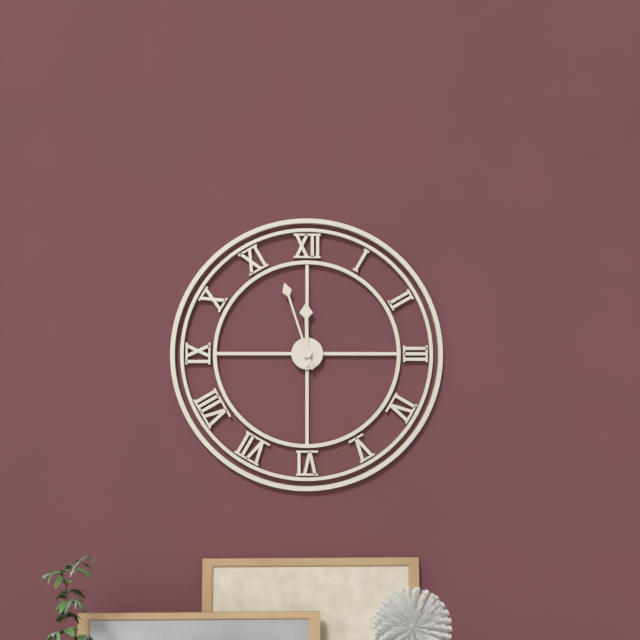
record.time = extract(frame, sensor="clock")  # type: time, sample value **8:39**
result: **11:57**
